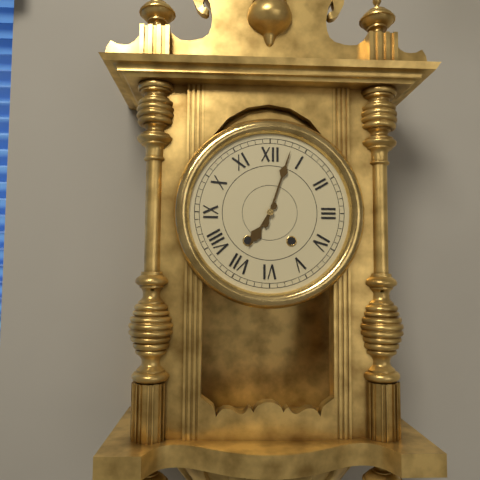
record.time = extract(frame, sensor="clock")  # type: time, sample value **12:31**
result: **7:03**
